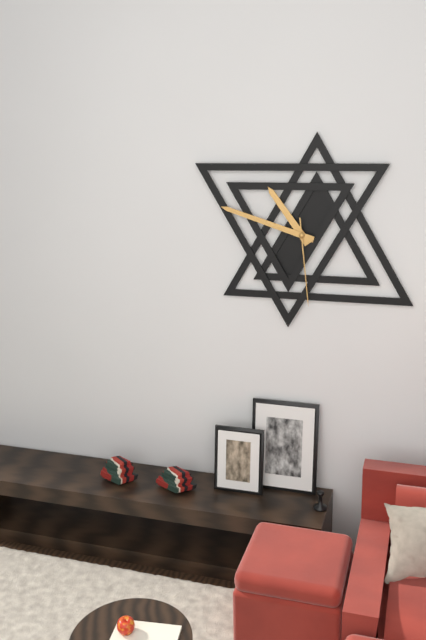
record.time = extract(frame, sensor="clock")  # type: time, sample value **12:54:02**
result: **10:48:29**
